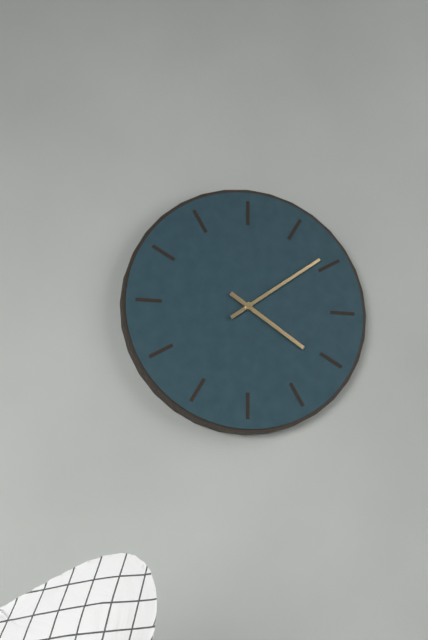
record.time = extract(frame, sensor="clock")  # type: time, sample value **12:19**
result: **4:09**
